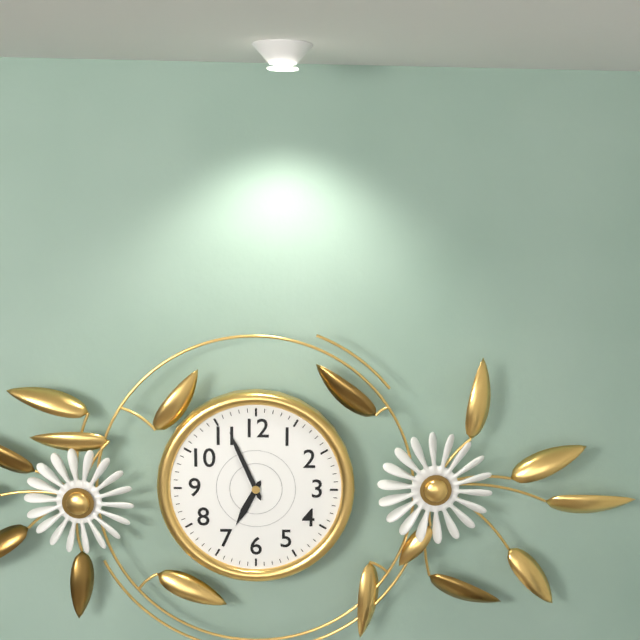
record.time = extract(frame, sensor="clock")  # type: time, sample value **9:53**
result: **6:56**
